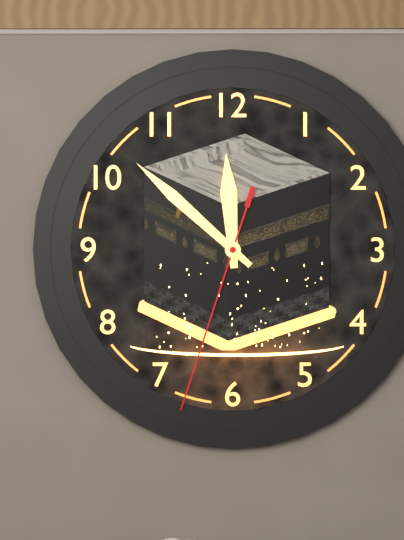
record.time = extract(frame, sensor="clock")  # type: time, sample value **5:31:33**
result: **11:52:33**
